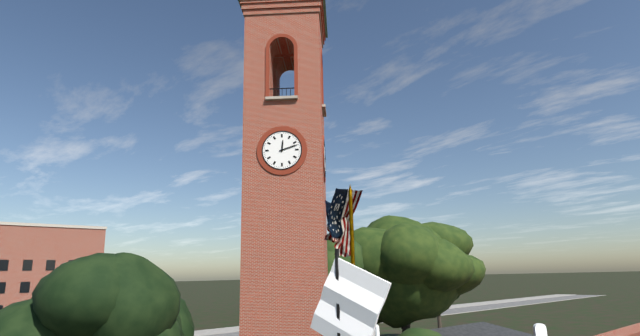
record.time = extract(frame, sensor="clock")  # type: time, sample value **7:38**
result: **12:12**
